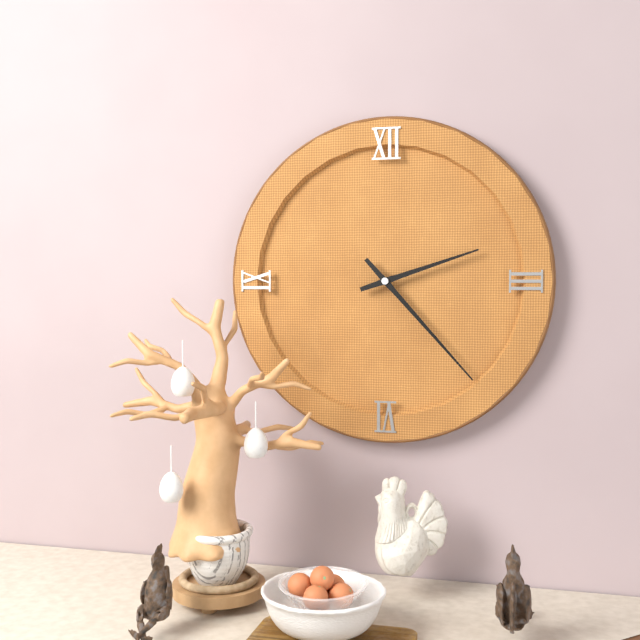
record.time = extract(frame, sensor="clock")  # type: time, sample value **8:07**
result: **2:23**
